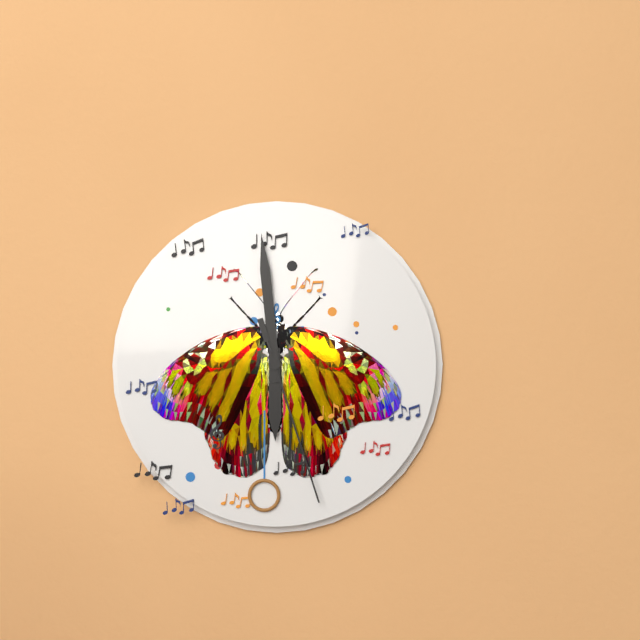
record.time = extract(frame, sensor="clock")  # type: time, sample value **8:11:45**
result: **5:59:27**
